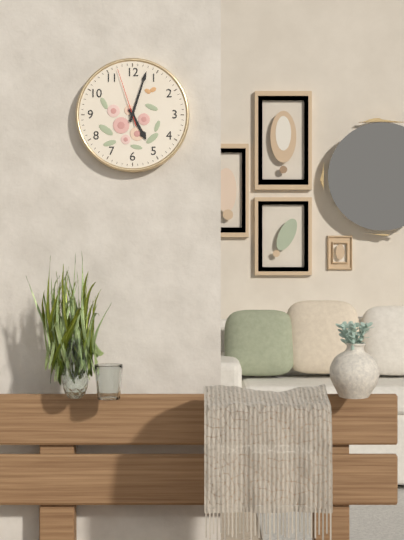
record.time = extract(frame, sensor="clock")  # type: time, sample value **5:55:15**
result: **5:03:57**
